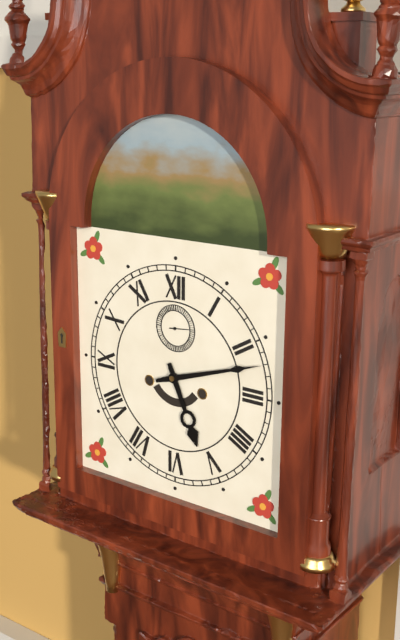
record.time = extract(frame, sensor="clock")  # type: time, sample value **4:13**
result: **5:12**
